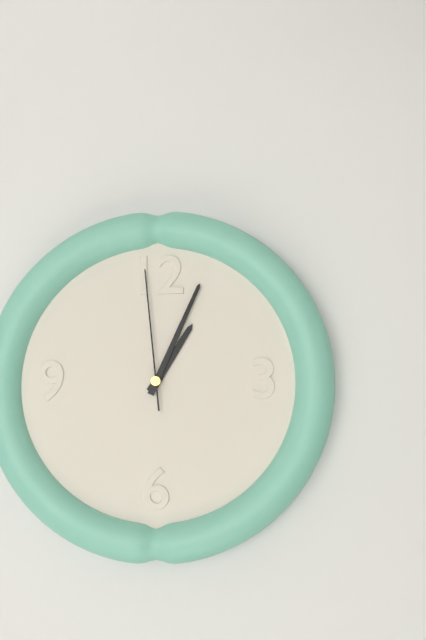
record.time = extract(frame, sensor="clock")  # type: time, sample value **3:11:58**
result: **1:04:59**
